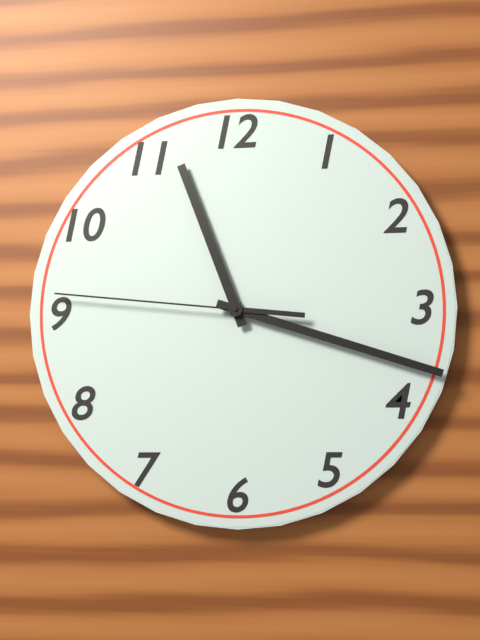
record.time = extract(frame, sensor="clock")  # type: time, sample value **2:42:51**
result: **11:18:46**
